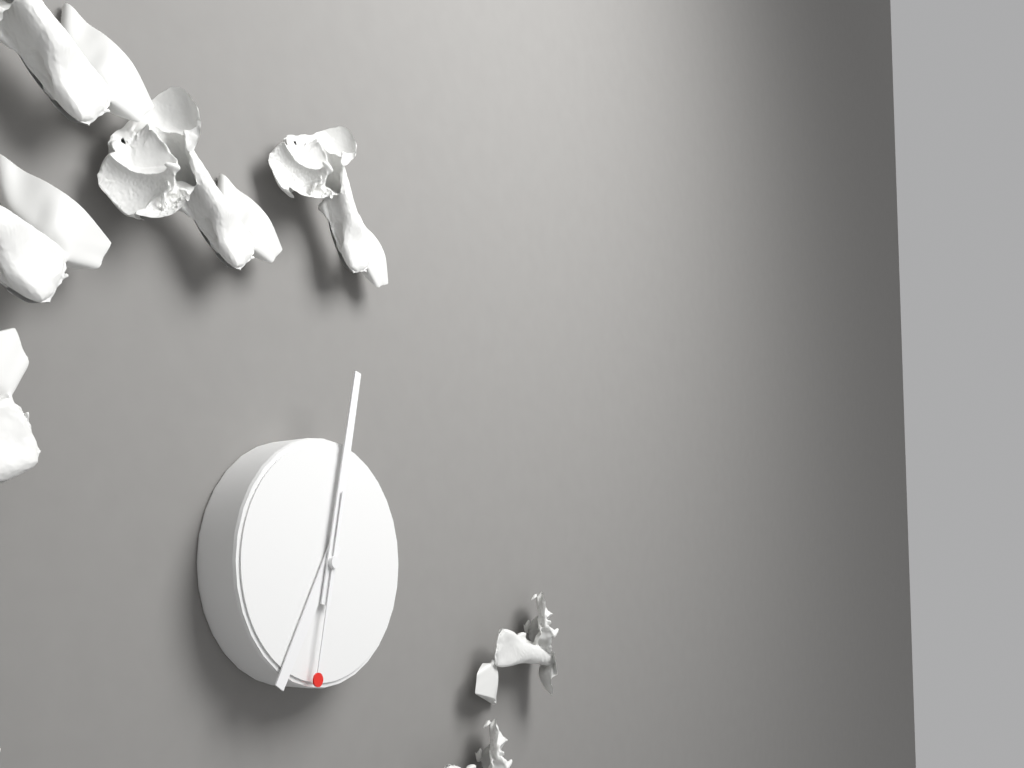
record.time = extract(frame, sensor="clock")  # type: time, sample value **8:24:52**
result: **7:02:32**
